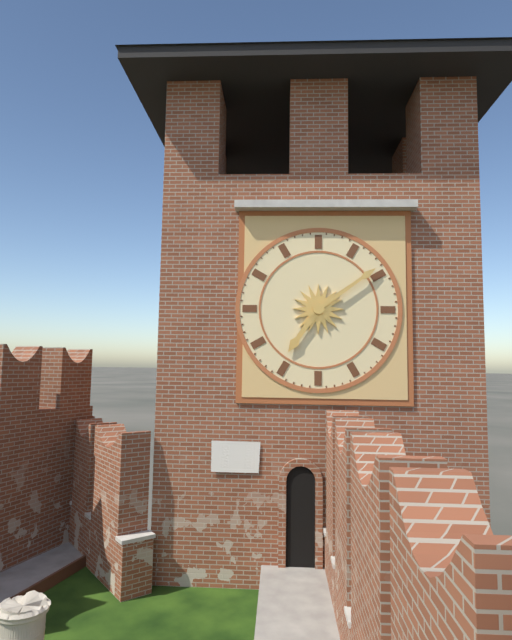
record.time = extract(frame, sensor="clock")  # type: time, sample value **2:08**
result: **7:09**
